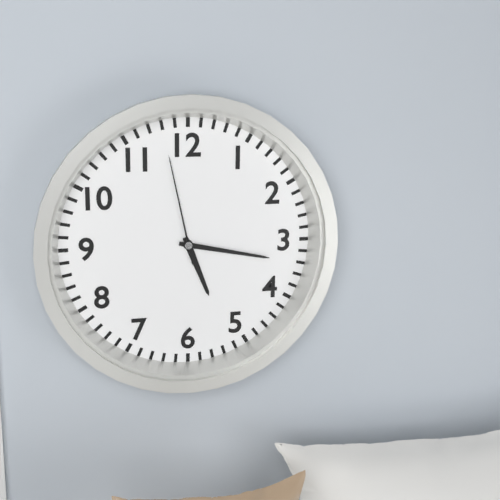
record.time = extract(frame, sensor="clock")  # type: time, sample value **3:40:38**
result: **5:17:58**
